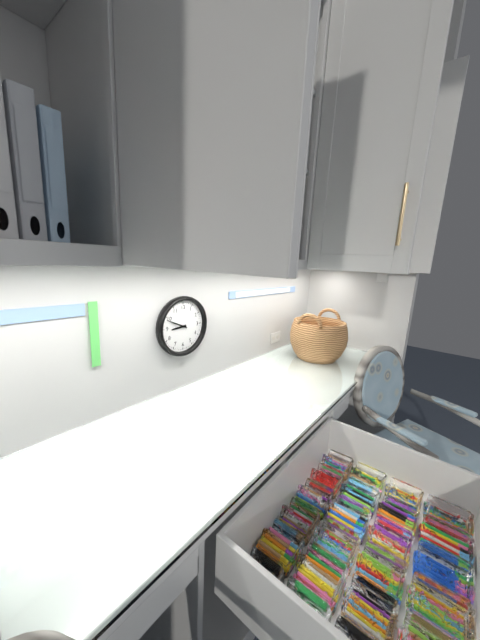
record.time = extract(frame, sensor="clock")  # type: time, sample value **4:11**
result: **8:49**
